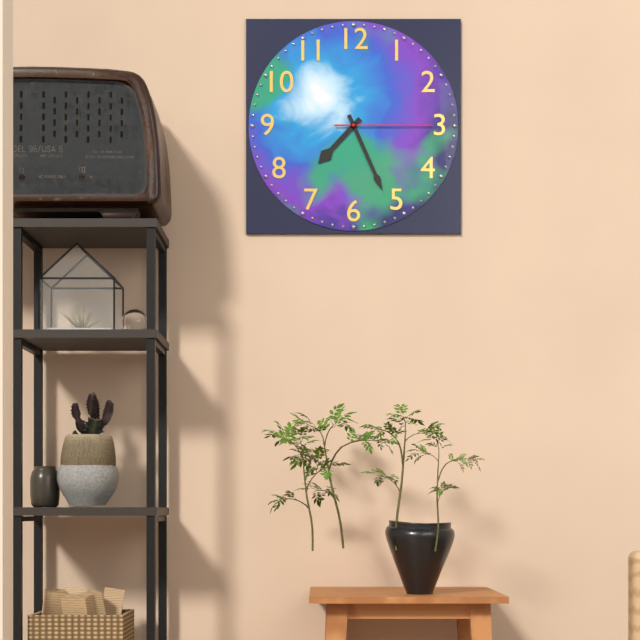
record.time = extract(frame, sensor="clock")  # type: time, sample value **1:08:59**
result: **7:26:15**
